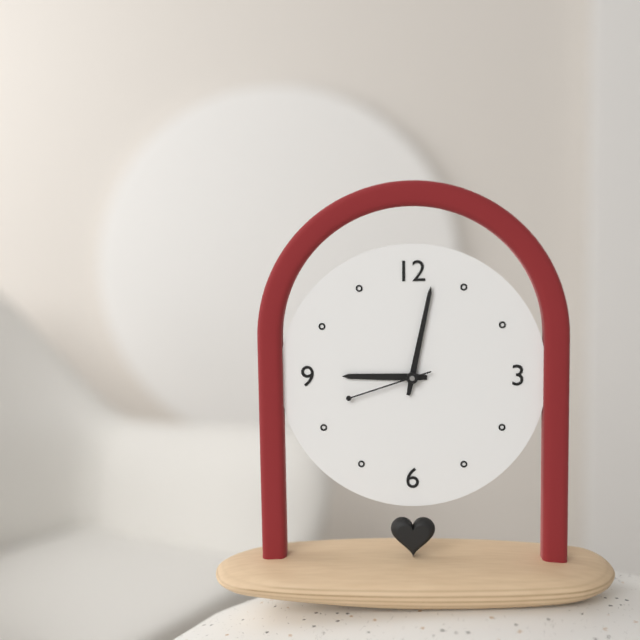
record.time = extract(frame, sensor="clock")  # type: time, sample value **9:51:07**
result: **9:02:42**
